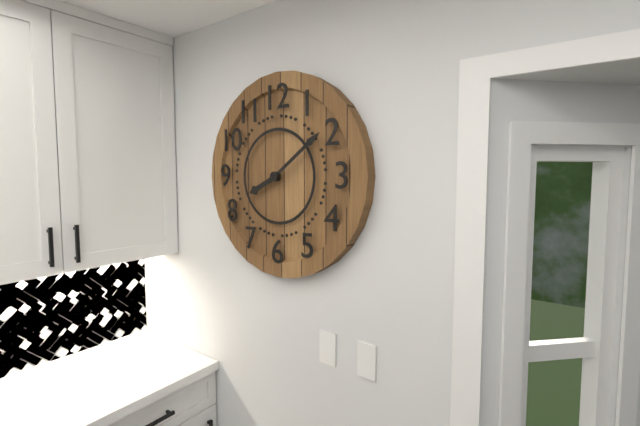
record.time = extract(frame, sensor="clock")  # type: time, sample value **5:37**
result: **8:09**
